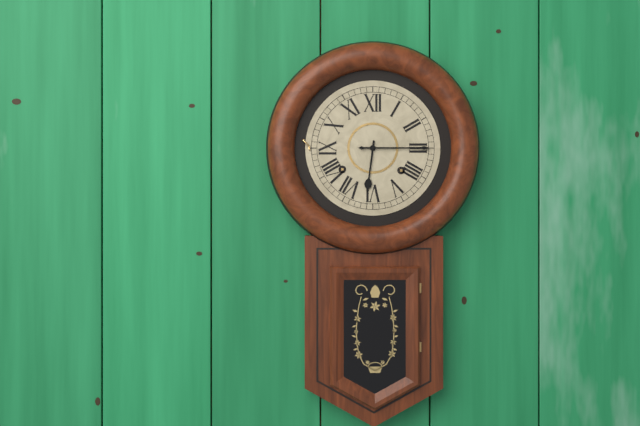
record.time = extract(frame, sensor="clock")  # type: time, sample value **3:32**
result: **6:15**
